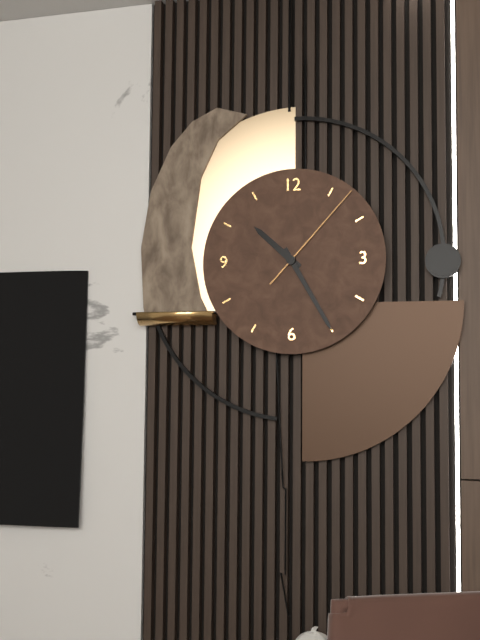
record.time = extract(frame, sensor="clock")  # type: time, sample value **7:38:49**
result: **10:25:07**
